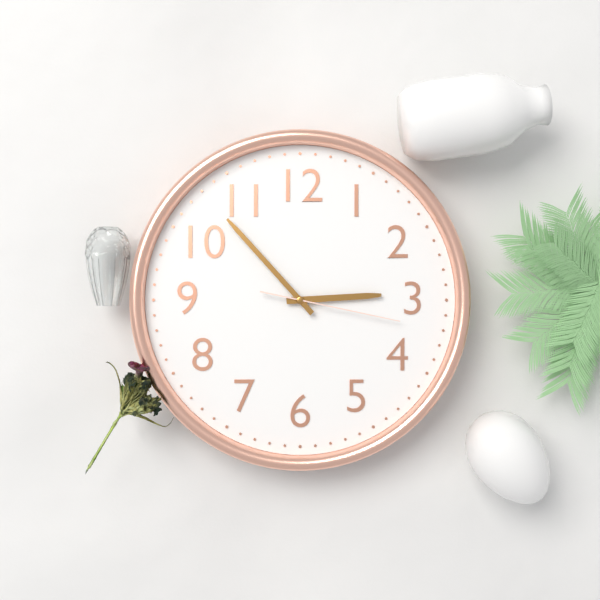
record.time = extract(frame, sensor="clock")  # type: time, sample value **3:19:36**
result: **2:53:17**
